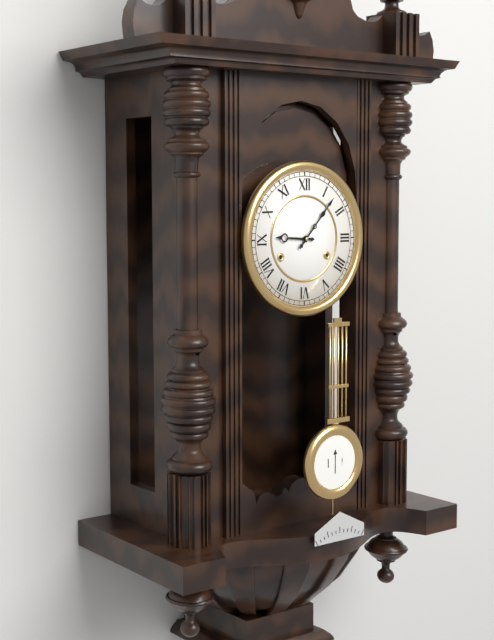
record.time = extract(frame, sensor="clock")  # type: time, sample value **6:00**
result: **9:07**
